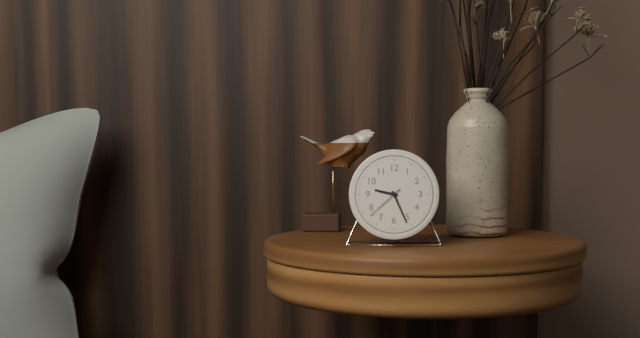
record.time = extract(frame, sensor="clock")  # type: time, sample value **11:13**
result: **9:26**
